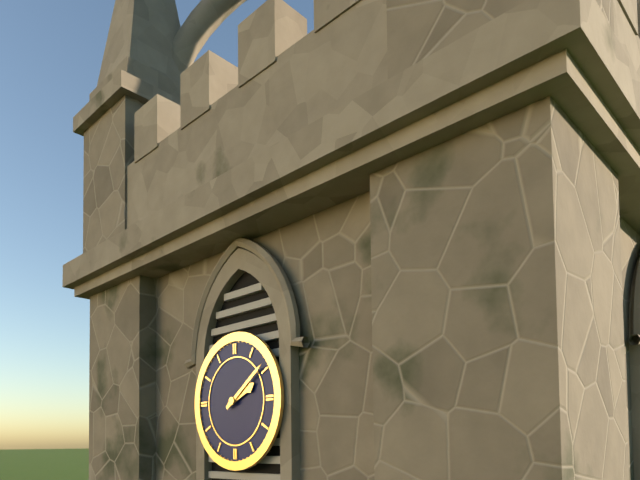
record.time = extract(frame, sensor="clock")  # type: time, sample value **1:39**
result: **2:09**
